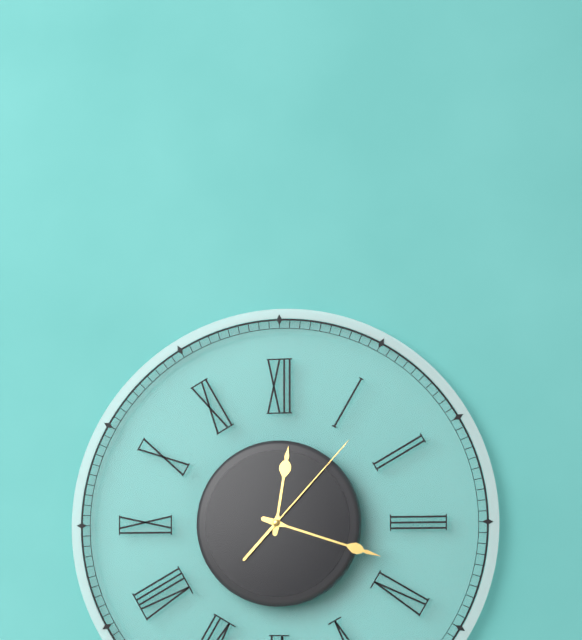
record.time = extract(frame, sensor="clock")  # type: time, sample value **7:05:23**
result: **12:18:07**
